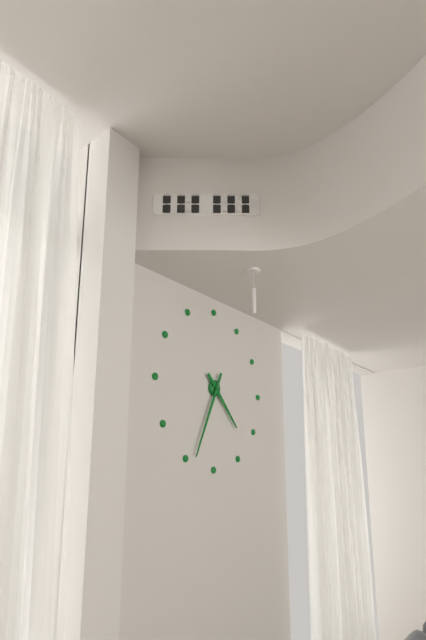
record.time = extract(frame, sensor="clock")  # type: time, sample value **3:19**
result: **4:34**
